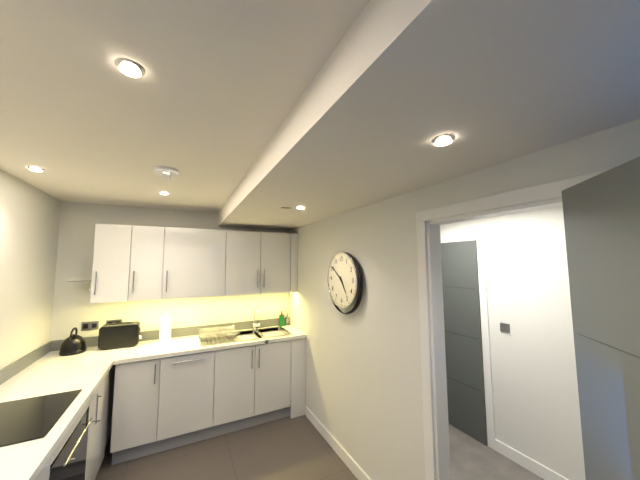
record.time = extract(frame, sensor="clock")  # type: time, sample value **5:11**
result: **4:51**
